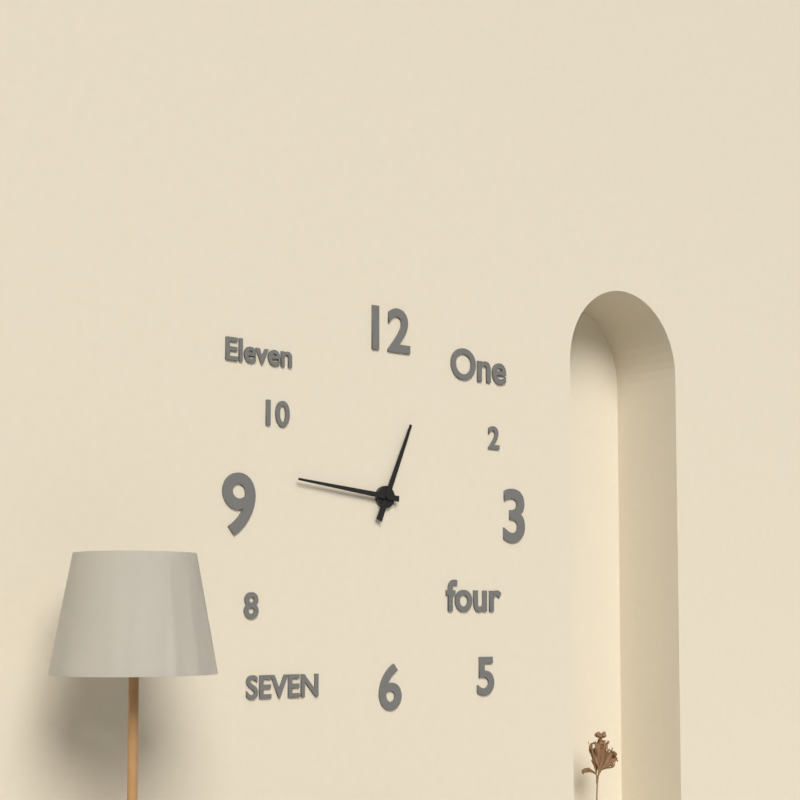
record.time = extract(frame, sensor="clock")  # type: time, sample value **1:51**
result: **12:46**
